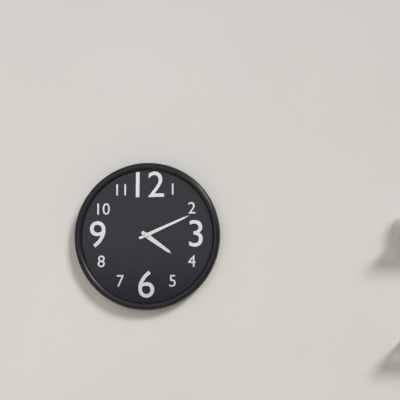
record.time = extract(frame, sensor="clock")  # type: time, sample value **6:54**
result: **4:11**
